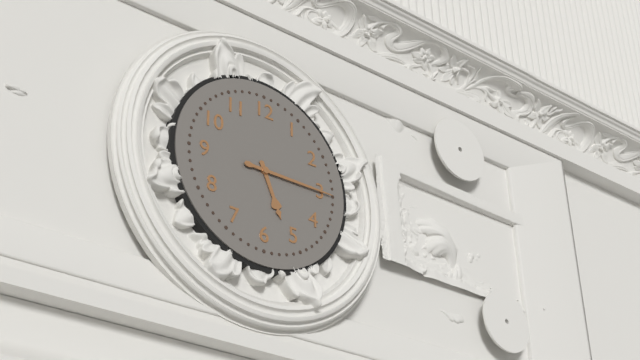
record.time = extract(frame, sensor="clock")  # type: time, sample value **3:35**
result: **5:15**
